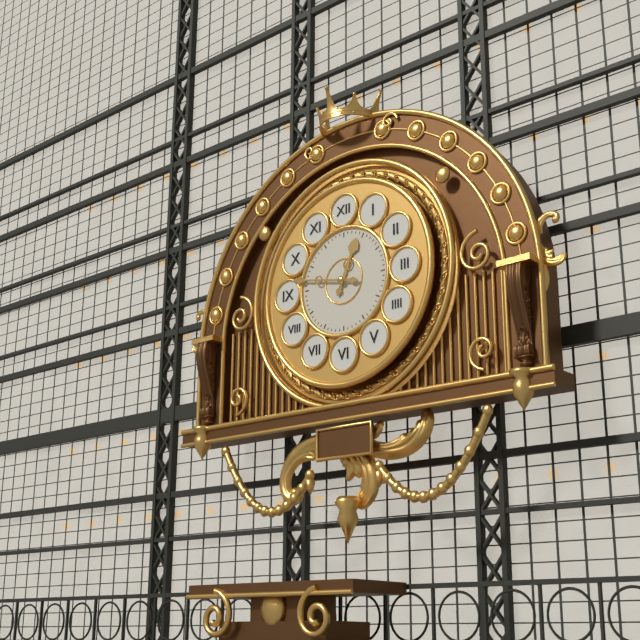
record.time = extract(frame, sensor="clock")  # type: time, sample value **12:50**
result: **12:47**
